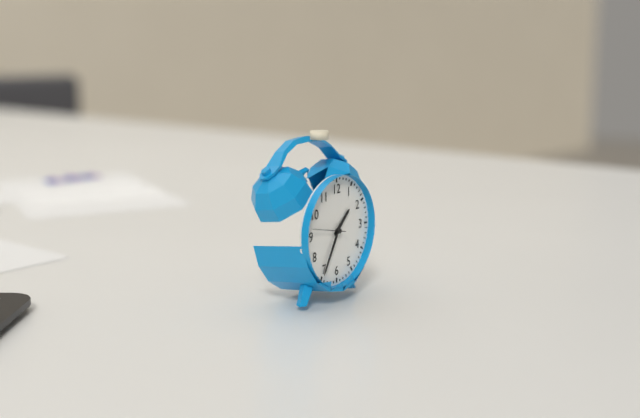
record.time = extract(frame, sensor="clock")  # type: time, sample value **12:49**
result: **1:35**
